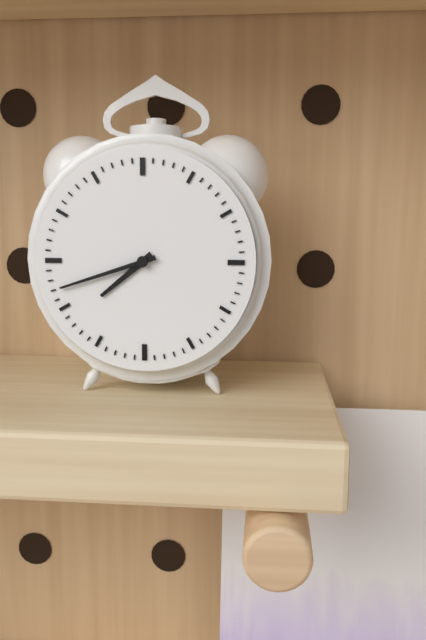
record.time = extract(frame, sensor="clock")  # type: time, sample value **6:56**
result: **7:42**
